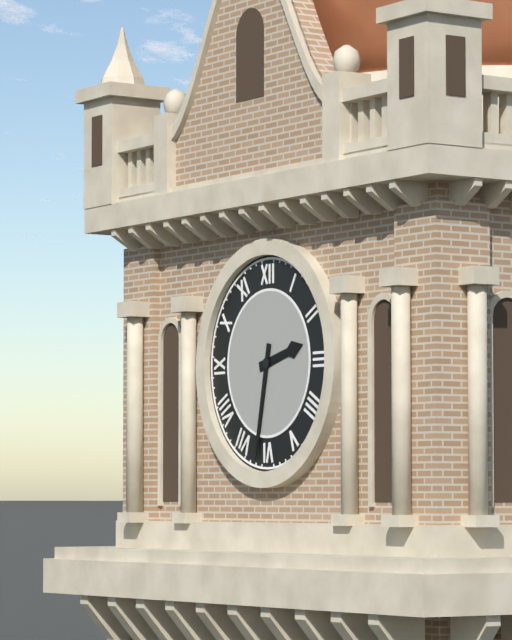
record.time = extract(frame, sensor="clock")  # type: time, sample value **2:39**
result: **2:32**
